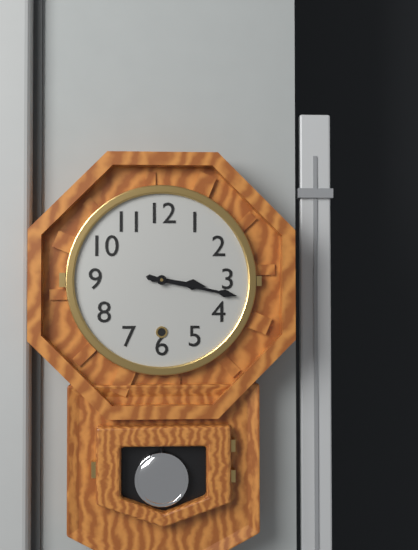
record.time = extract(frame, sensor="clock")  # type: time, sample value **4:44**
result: **3:17**
